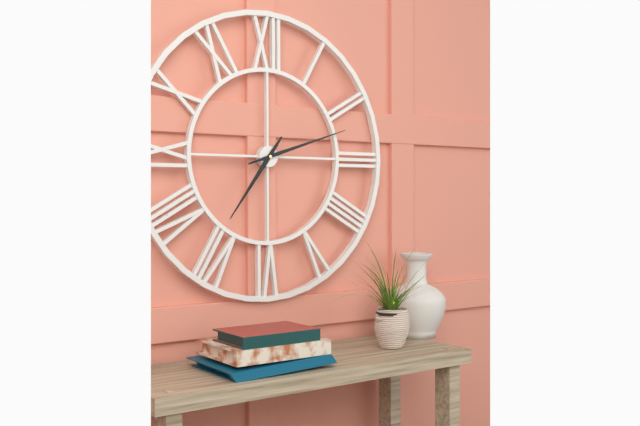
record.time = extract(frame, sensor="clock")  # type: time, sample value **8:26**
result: **7:12**
